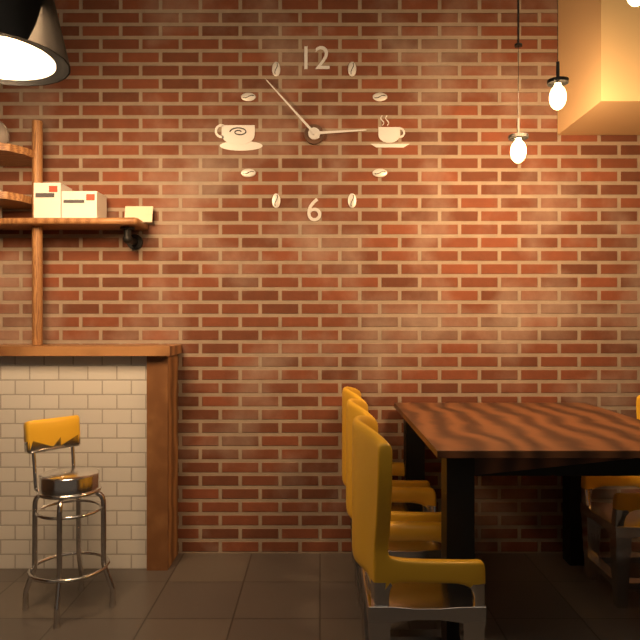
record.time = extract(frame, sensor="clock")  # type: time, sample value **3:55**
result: **2:53**
